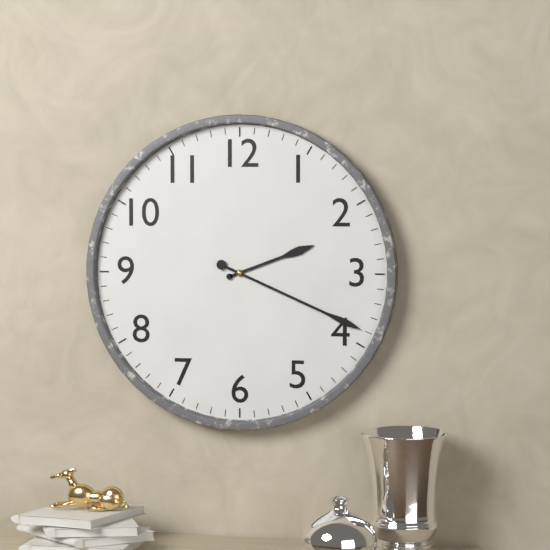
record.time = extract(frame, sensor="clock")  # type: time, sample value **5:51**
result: **2:19**
